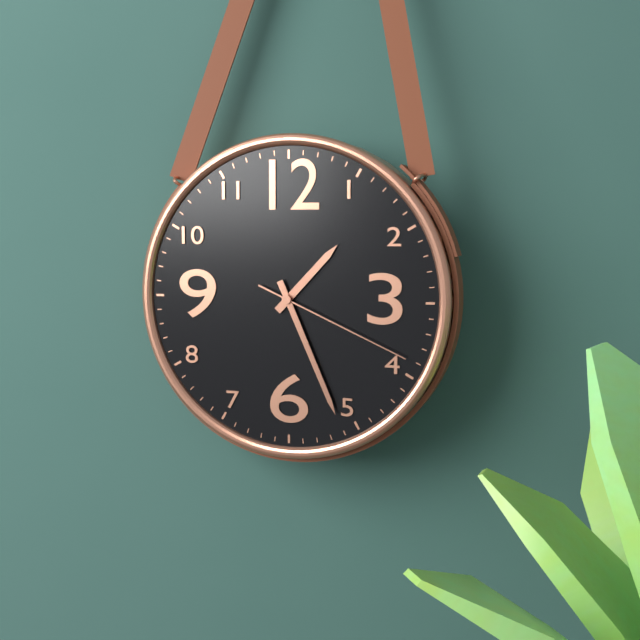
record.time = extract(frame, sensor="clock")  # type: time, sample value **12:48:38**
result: **1:26:19**
